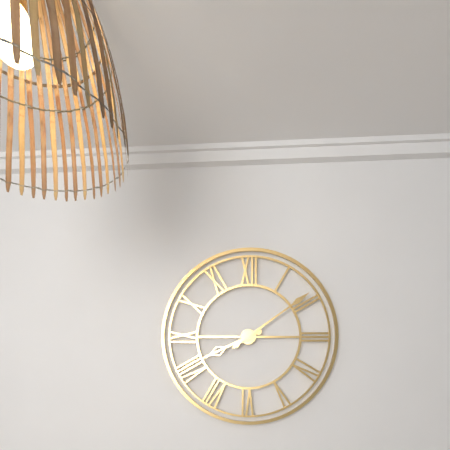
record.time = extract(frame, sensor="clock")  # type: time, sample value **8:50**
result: **8:09**
